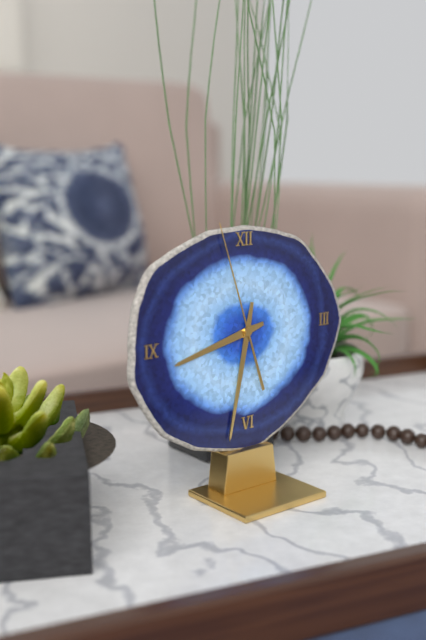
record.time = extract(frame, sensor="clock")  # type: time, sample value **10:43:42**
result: **8:32:57**
